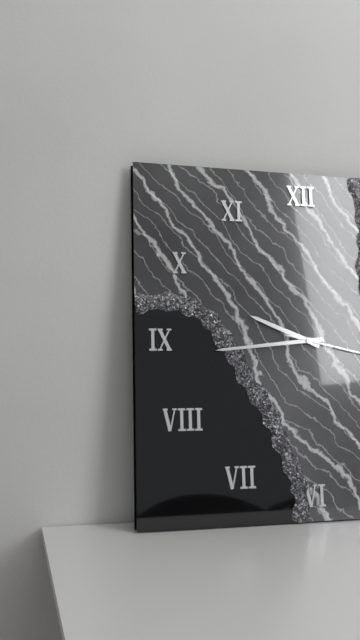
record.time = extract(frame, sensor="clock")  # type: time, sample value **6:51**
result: **9:44**
